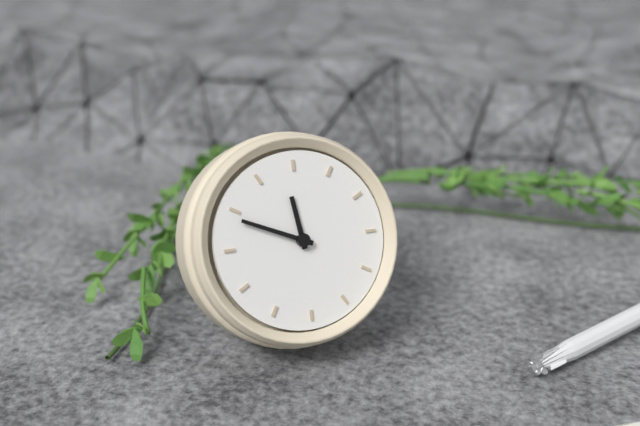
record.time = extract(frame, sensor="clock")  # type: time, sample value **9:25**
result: **10:44**
